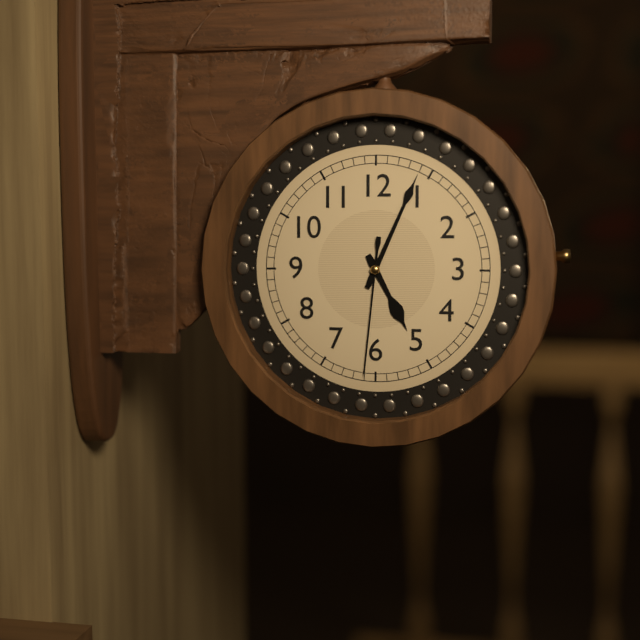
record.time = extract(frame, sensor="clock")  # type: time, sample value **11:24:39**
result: **5:04:31**
